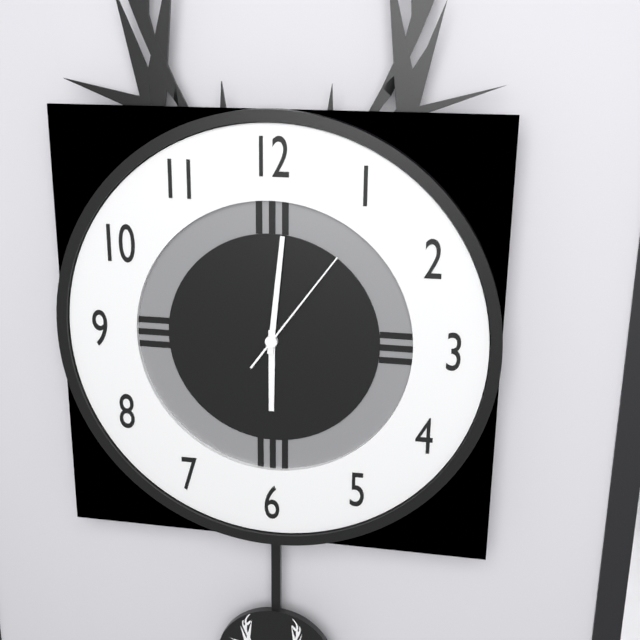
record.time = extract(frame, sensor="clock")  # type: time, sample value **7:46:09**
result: **6:01:06**
